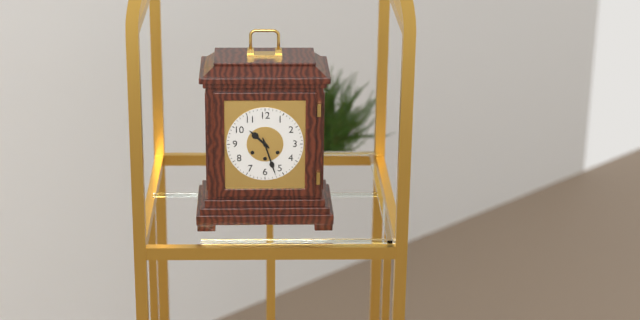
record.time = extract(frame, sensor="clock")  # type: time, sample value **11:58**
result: **10:27**
